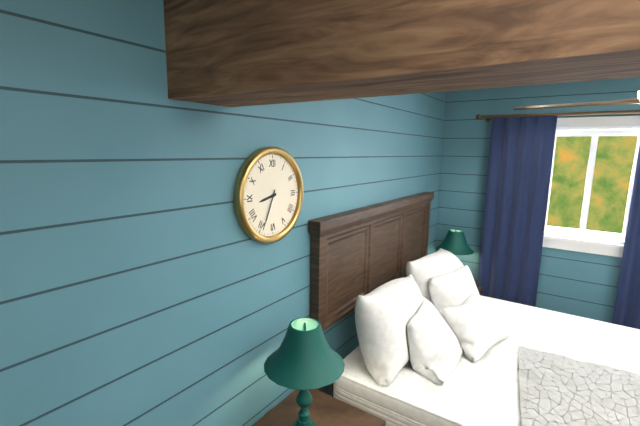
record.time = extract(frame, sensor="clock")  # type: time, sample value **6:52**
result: **8:34**
